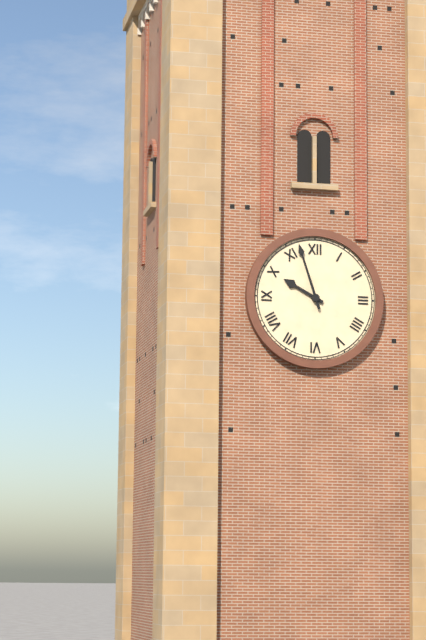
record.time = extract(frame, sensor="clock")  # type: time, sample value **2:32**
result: **9:57**
